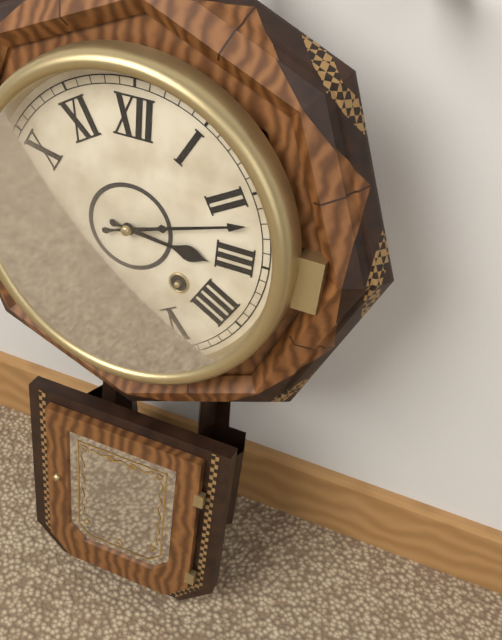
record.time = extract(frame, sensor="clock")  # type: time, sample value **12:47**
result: **3:12**
